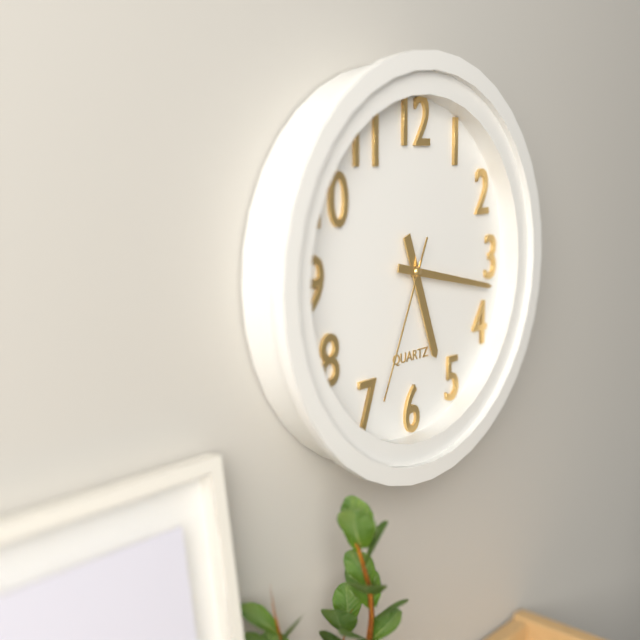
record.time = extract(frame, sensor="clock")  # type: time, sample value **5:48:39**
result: **5:17:34**
